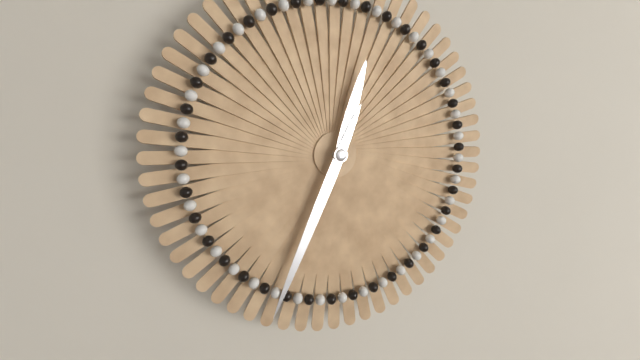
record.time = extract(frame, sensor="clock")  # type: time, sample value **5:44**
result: **12:34**
